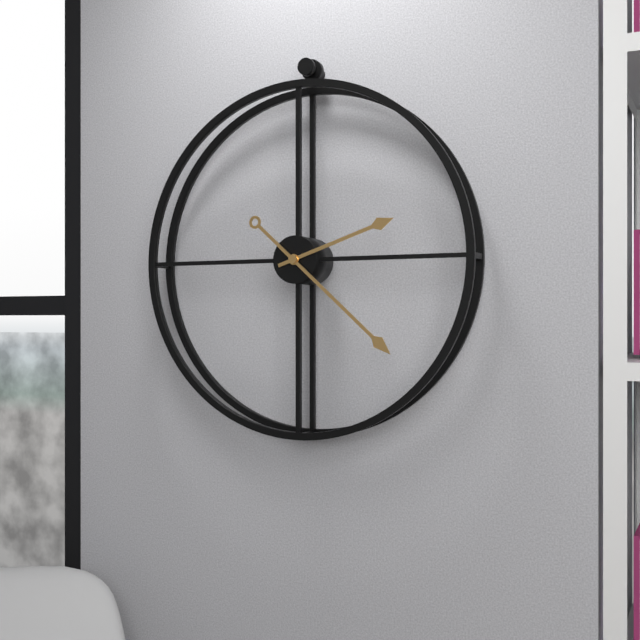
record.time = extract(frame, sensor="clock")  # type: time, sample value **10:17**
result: **2:22**
